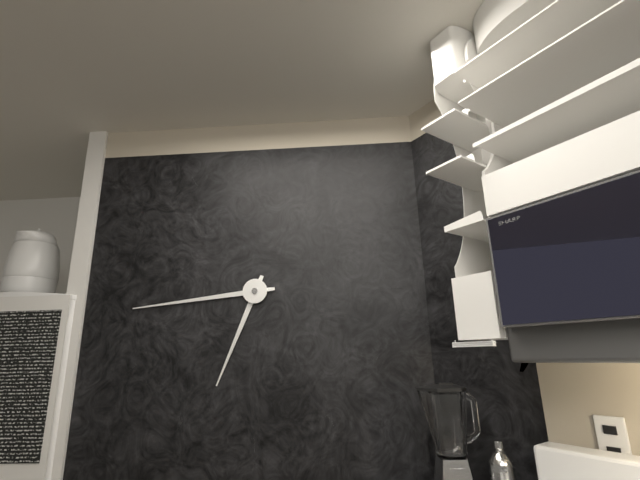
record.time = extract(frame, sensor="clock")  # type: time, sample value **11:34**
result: **6:44**
